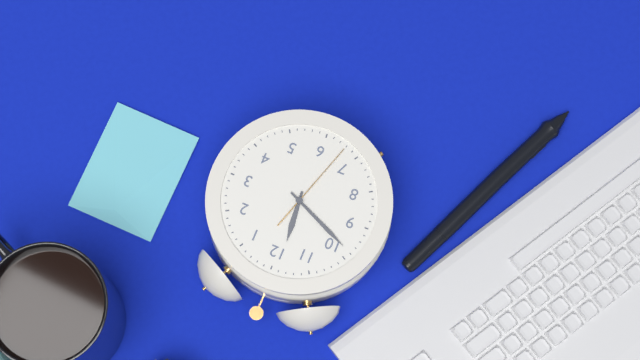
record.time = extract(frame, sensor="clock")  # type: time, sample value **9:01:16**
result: **11:49:33**
